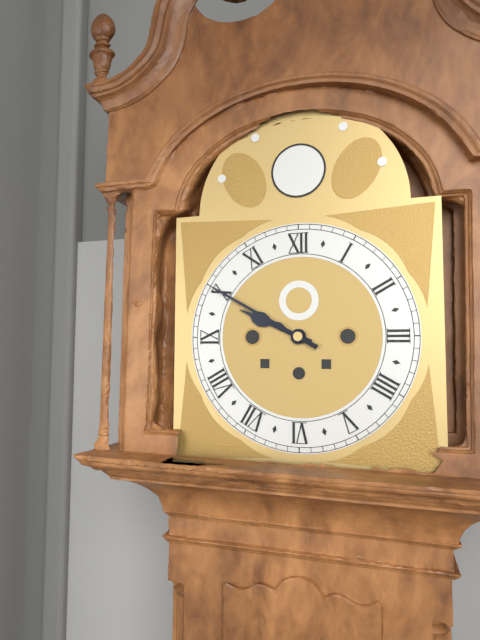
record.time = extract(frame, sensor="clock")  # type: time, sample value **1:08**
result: **9:50**
